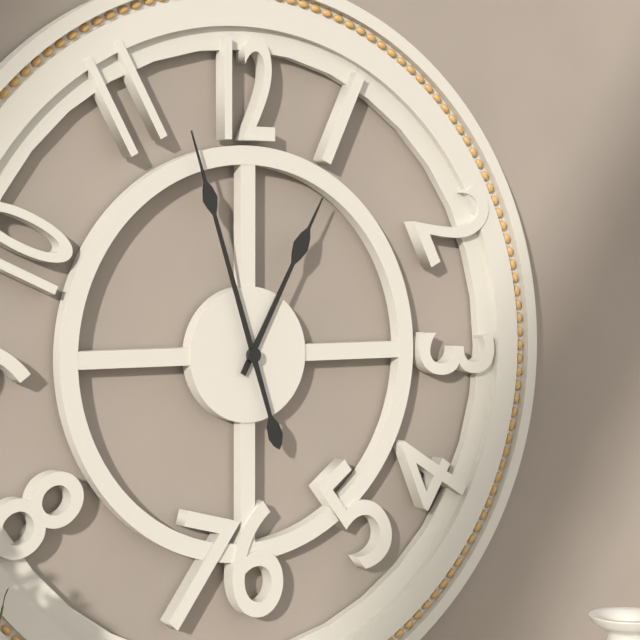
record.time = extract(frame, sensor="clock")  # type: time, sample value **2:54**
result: **12:57**
